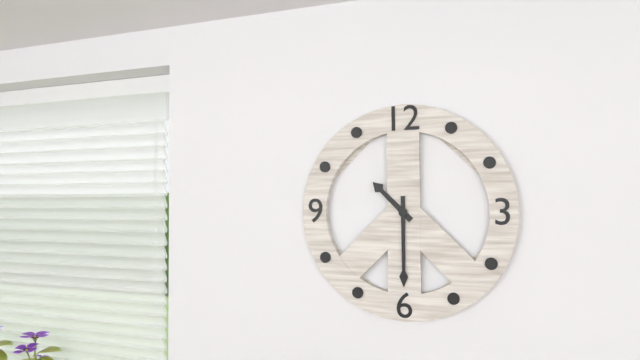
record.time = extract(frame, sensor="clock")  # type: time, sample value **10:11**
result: **10:30**
